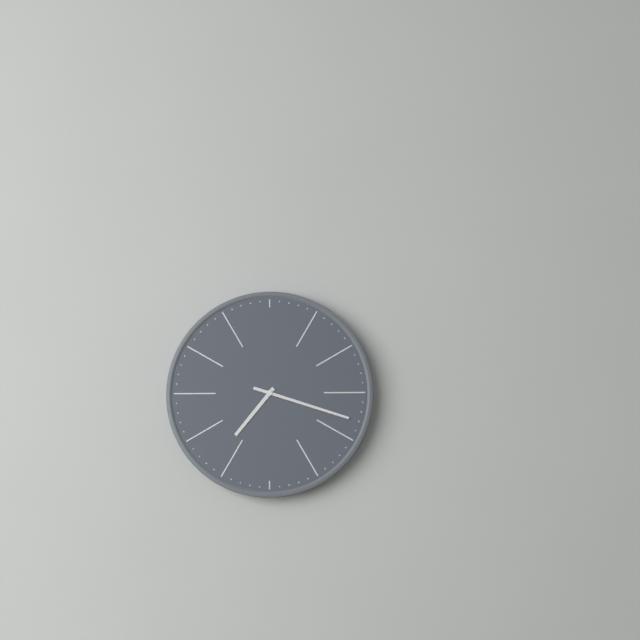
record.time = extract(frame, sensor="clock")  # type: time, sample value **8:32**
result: **7:18**
